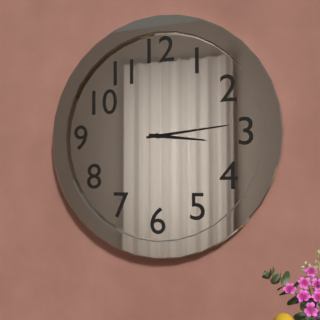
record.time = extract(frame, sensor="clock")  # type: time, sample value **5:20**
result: **3:14**
